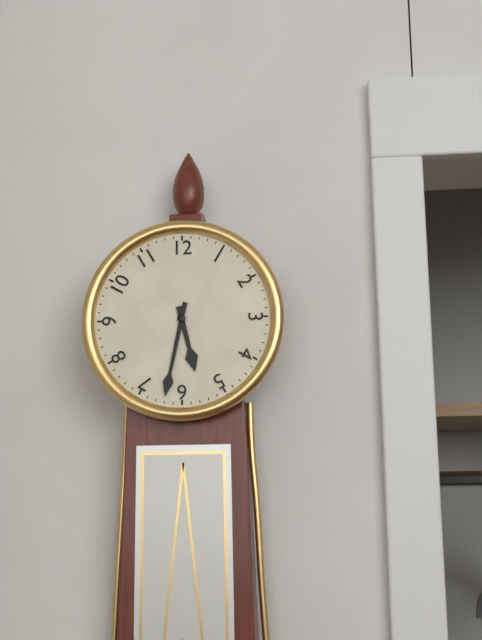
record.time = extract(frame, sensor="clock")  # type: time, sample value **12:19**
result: **5:32**
